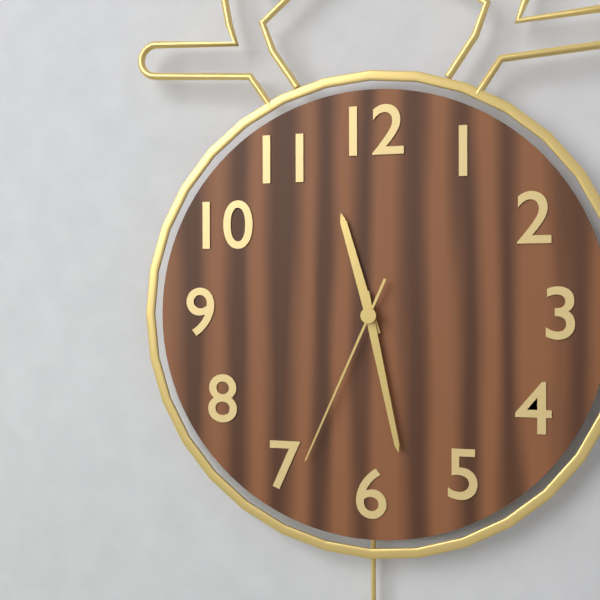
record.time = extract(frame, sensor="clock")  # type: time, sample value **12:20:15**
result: **11:28:34**
